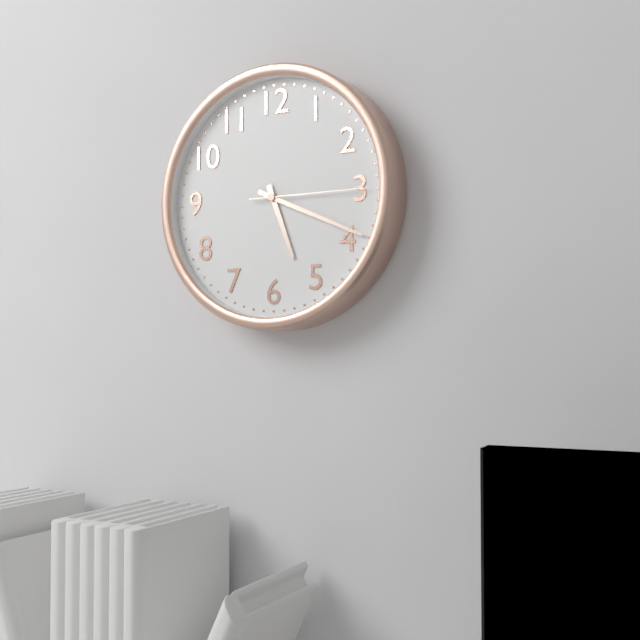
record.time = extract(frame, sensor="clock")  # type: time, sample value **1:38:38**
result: **5:19:15**
